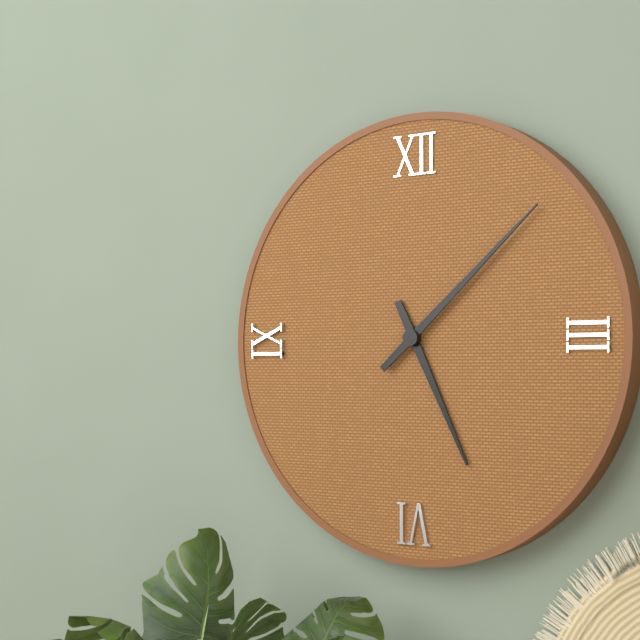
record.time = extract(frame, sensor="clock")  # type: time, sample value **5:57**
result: **5:08**
